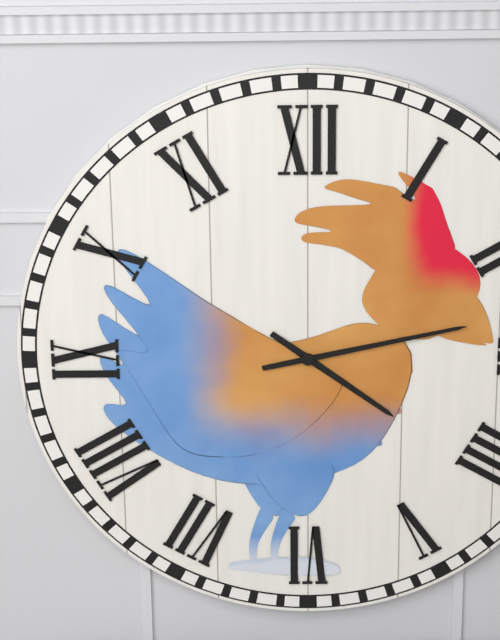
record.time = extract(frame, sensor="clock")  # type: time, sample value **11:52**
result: **4:13**
